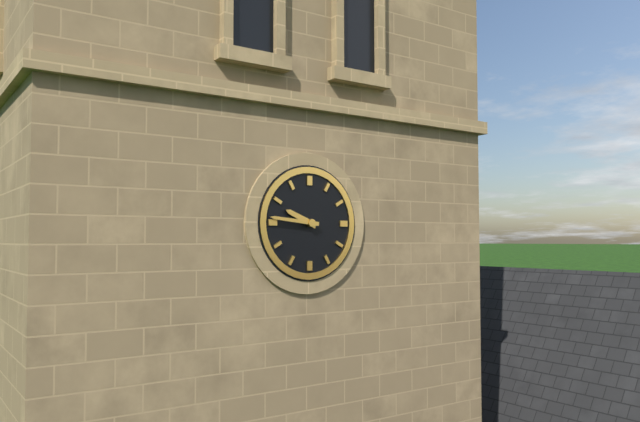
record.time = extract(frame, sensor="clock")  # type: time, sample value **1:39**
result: **9:46**
